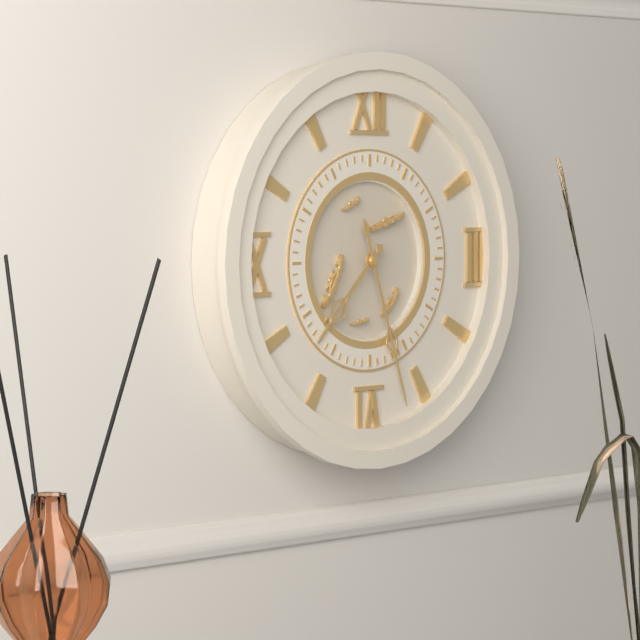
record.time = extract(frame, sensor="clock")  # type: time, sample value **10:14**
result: **7:27**
